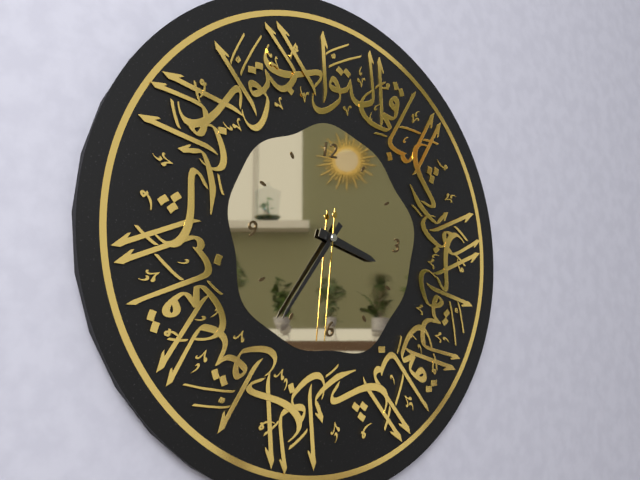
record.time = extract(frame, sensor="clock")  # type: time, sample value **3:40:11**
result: **3:36:31**
